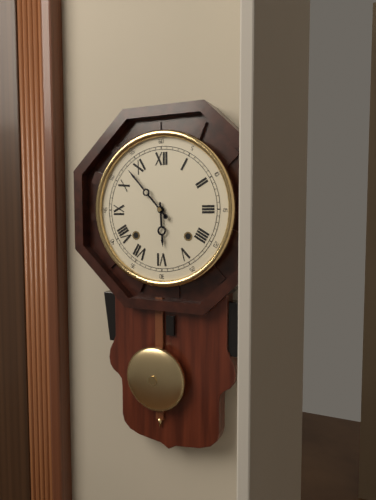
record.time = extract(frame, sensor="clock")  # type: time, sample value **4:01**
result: **5:53**
